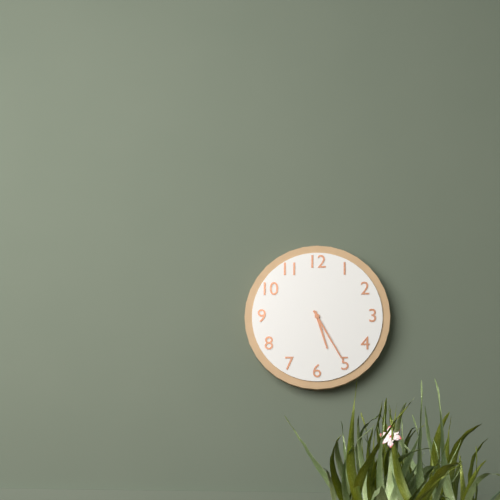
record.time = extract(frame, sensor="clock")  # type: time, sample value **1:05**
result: **5:25**
